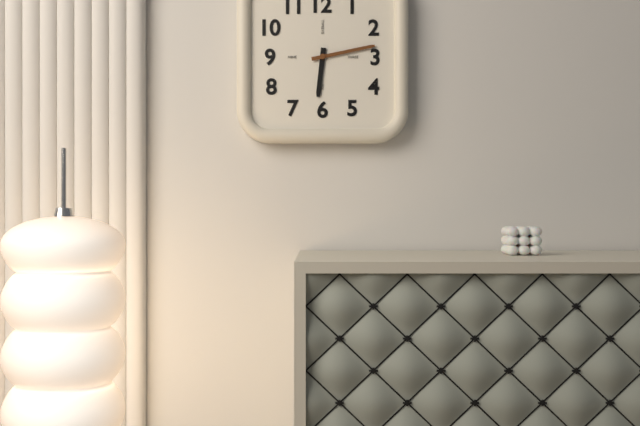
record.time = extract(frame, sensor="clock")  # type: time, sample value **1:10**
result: **6:13**
